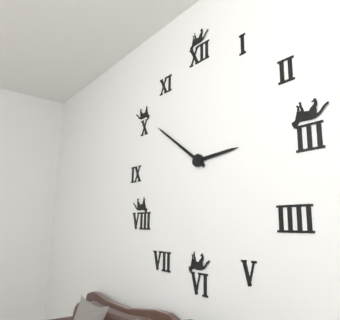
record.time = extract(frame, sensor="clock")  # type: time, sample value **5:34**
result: **2:51**
